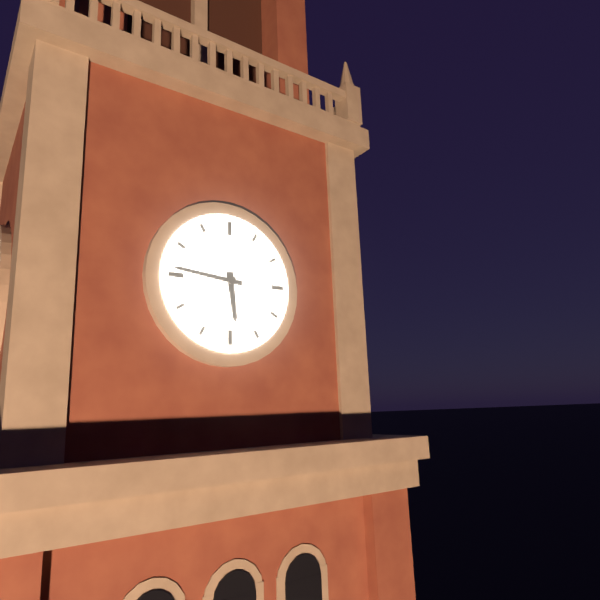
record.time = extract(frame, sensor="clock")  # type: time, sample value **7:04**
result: **5:46**
